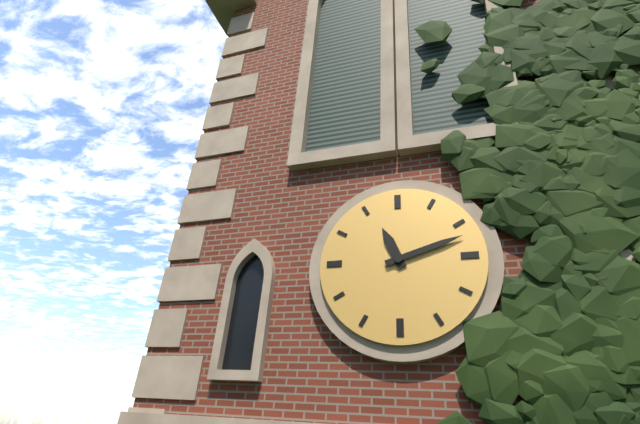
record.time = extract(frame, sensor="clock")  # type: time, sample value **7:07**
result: **11:12**
